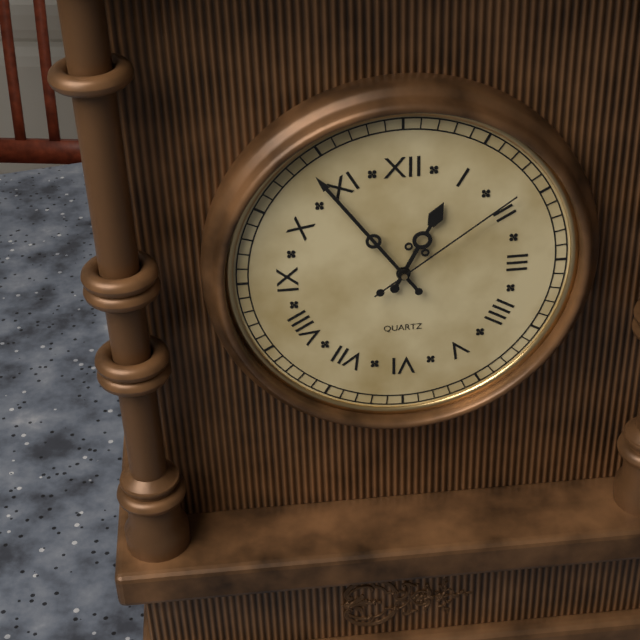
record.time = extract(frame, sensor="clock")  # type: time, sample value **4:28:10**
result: **12:54:09**
